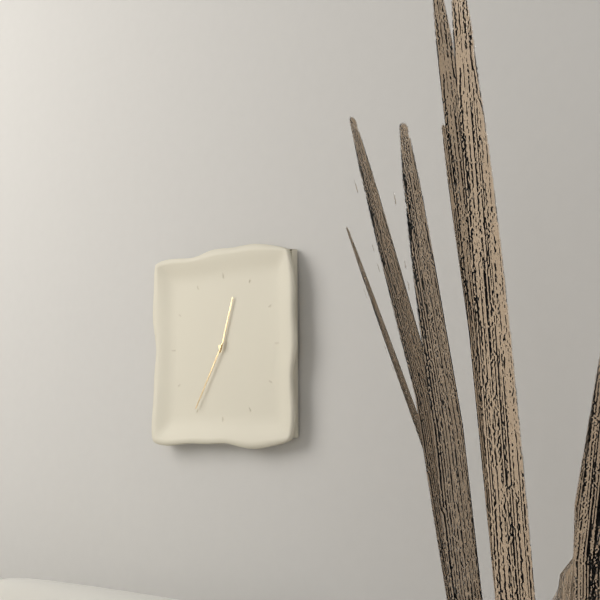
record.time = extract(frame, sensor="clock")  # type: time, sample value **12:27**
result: **12:35**
